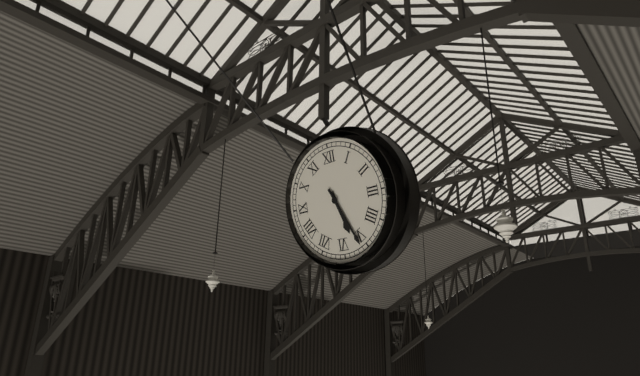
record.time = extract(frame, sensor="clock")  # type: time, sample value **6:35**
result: **5:26**
